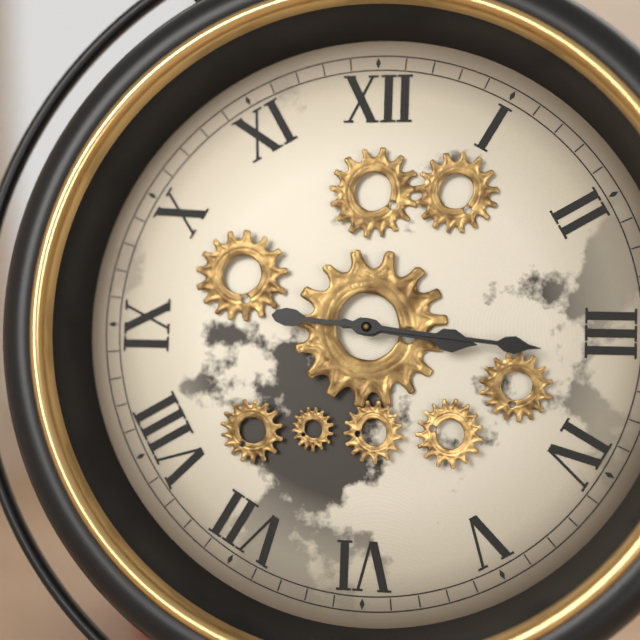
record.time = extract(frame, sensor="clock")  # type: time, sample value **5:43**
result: **3:16**
